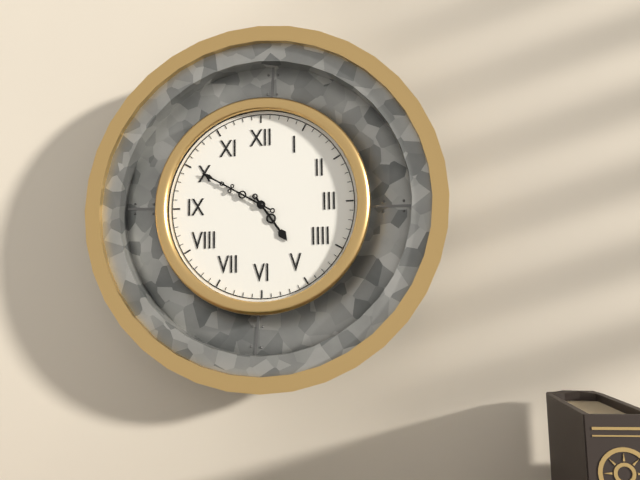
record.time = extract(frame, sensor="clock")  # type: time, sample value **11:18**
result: **4:50**
